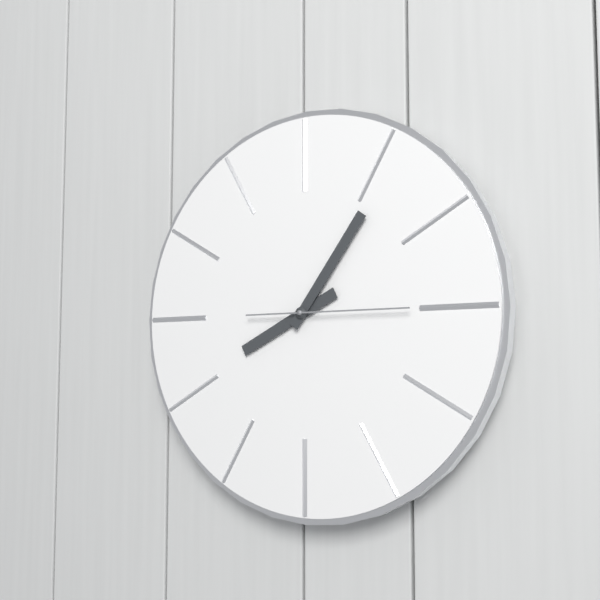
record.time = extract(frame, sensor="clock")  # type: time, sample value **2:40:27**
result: **8:06:15**
